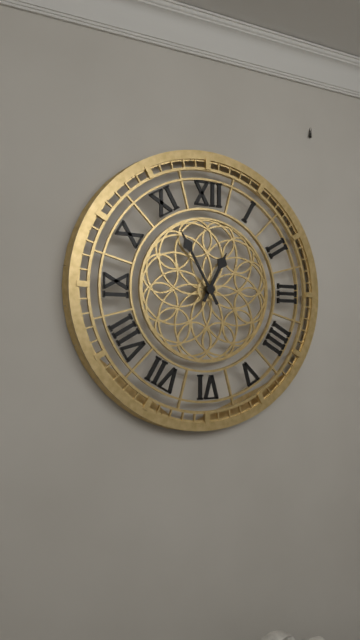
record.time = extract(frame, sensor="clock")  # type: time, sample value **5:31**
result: **12:55**
